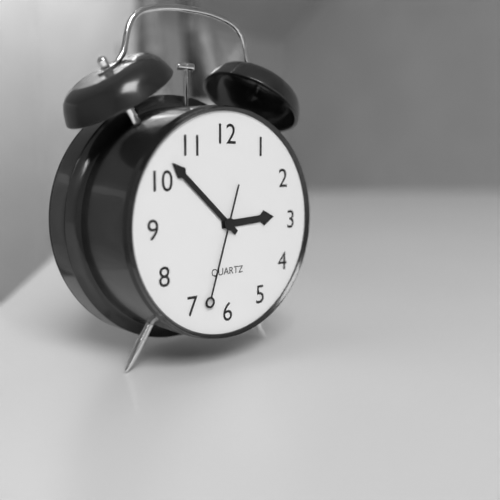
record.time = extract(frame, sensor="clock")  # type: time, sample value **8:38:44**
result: **2:52:33**
